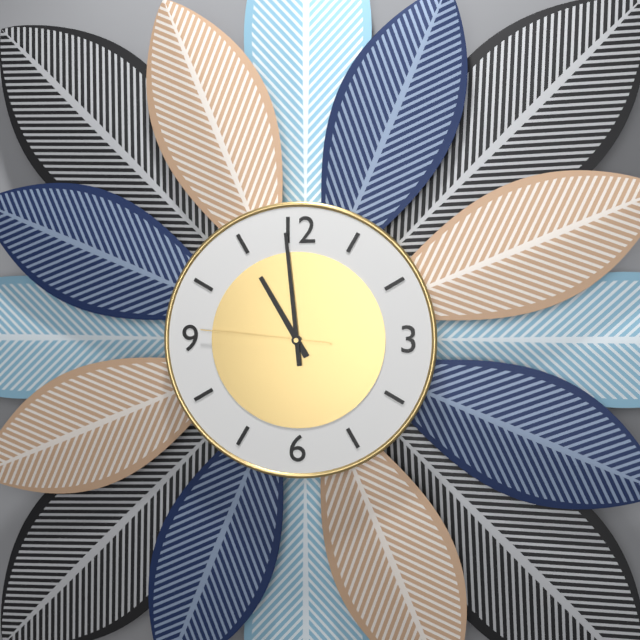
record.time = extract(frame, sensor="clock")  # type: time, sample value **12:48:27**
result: **10:59:46**
